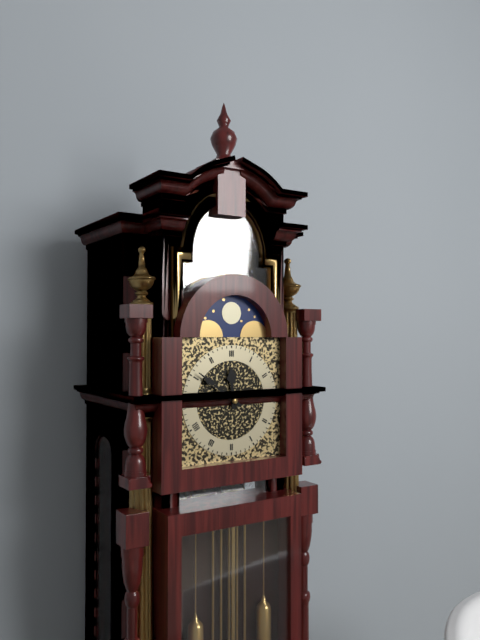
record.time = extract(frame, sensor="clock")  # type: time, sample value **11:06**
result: **11:51**
